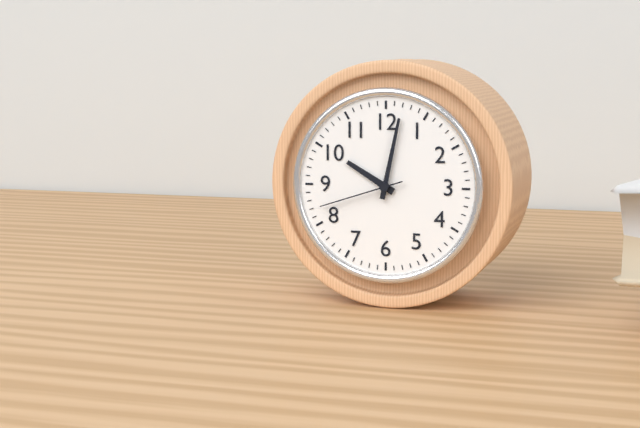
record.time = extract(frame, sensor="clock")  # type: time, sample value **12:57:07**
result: **10:02:42**
